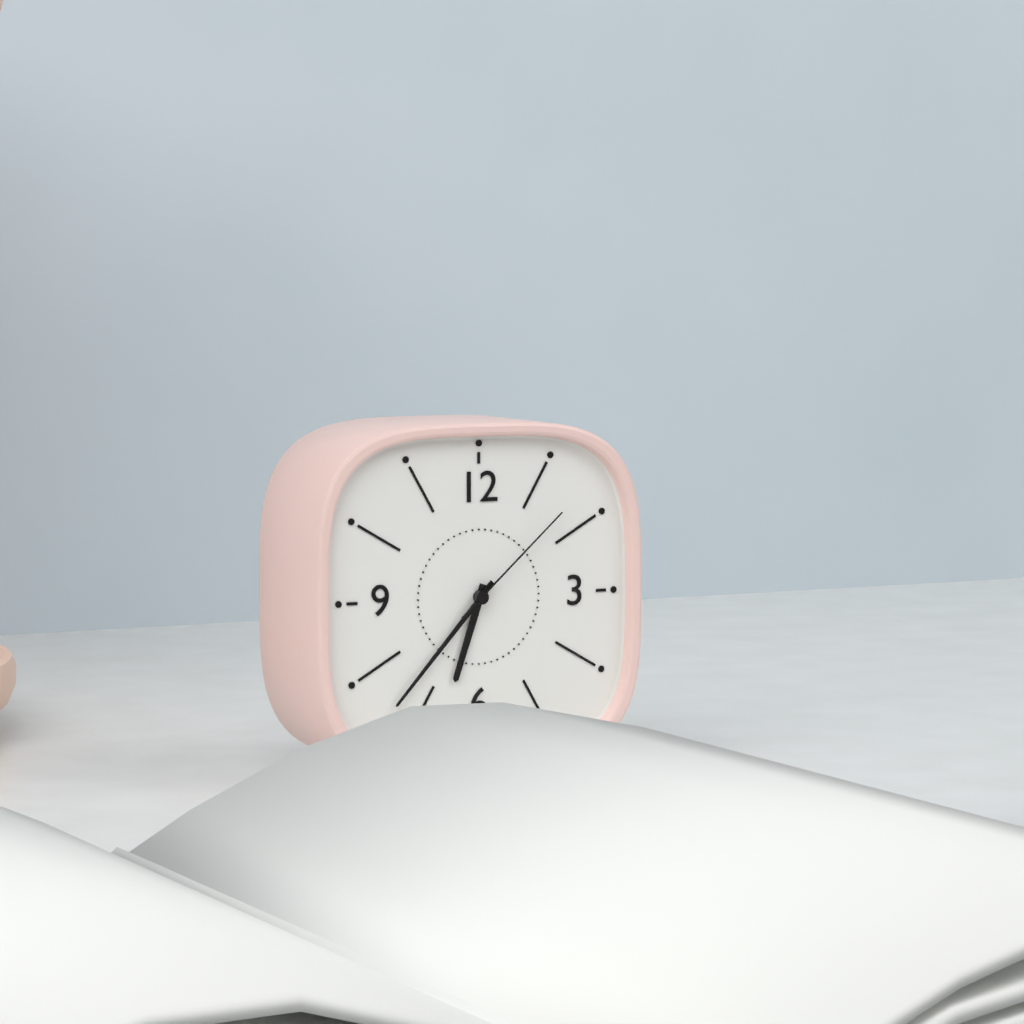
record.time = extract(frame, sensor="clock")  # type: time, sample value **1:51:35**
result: **6:37:08**
